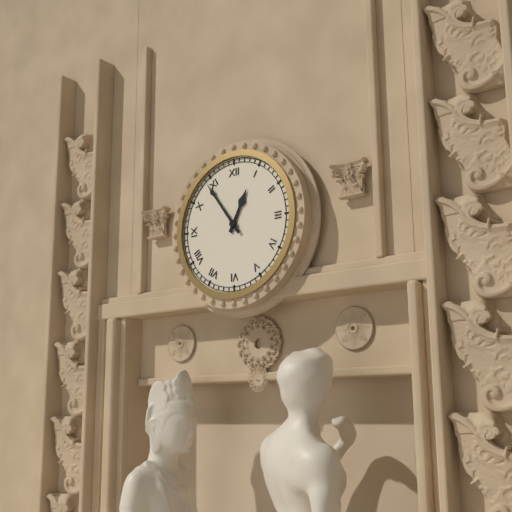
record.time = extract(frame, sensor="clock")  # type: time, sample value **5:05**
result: **12:54**
